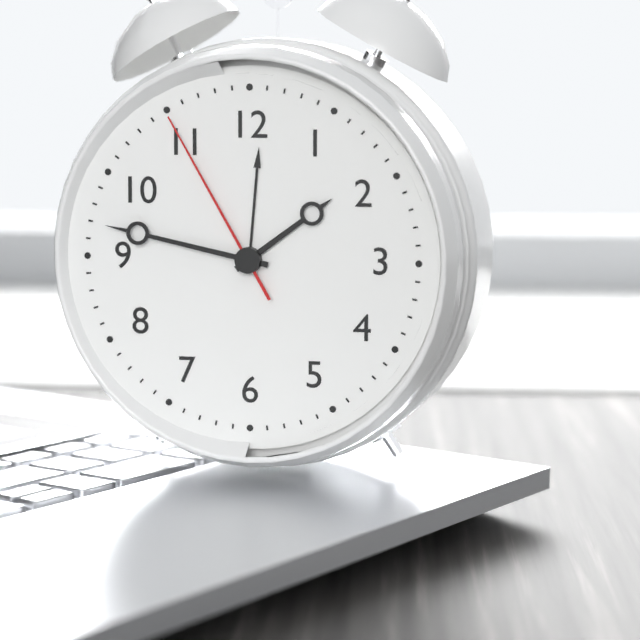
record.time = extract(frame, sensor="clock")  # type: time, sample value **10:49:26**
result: **1:47:55**
